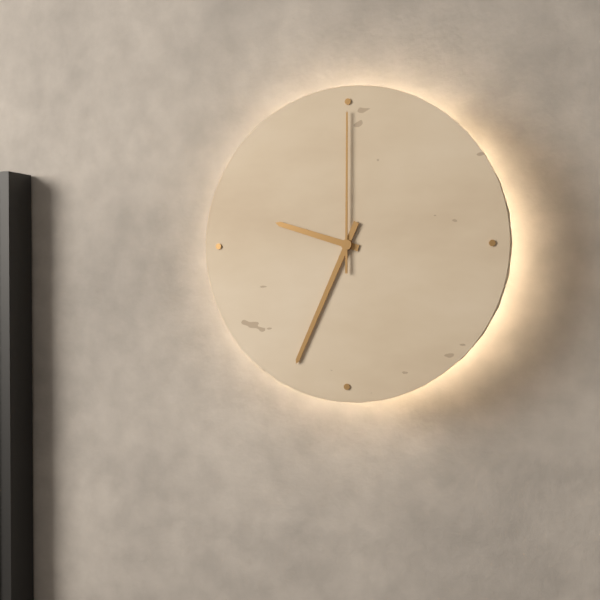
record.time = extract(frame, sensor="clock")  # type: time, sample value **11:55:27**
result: **9:34:00**
